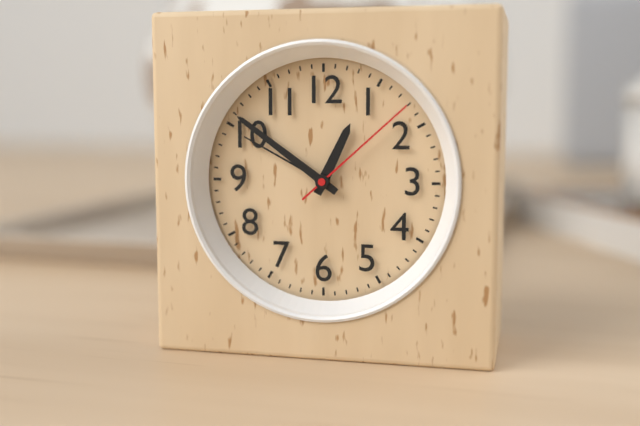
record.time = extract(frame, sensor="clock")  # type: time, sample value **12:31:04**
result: **12:51:08**
